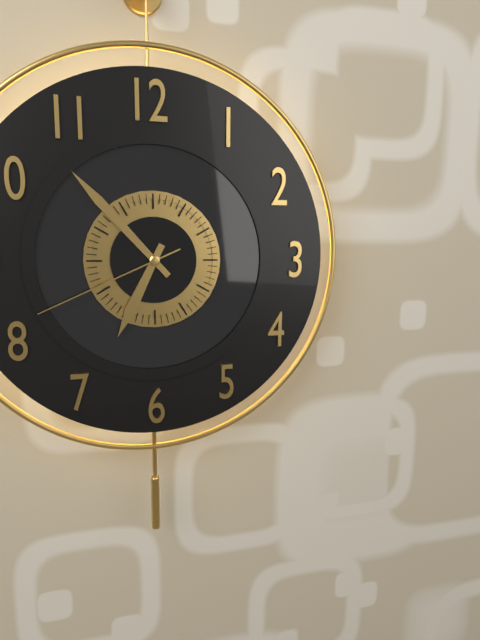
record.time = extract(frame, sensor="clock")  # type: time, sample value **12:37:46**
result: **6:53:41**
